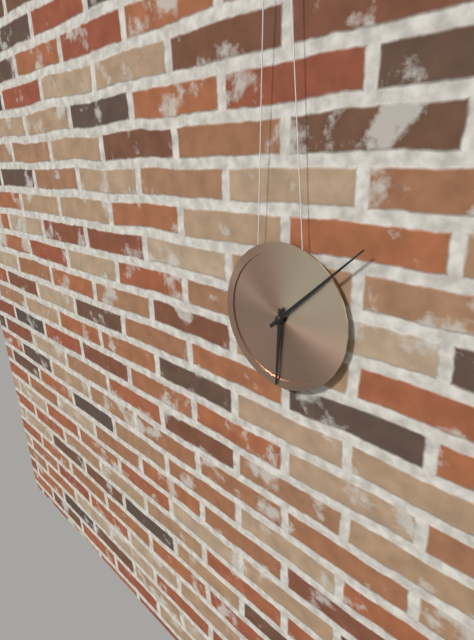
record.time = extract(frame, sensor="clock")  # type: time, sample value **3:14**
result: **6:08**
